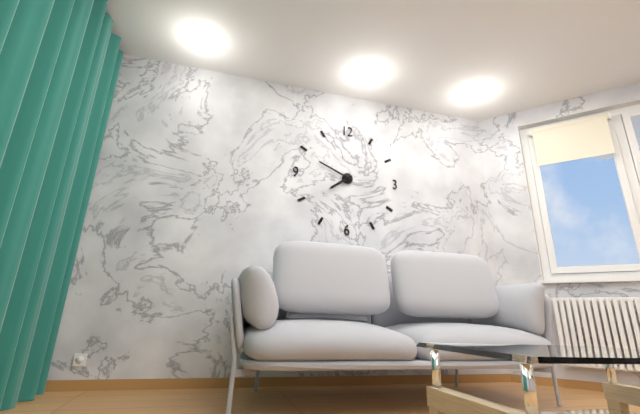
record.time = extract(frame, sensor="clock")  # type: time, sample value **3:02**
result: **7:49**
